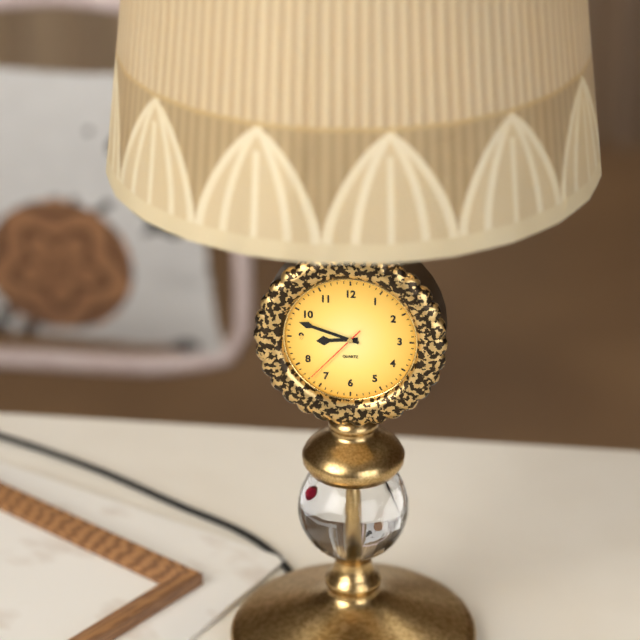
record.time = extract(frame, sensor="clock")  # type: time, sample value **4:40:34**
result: **8:48:37**
